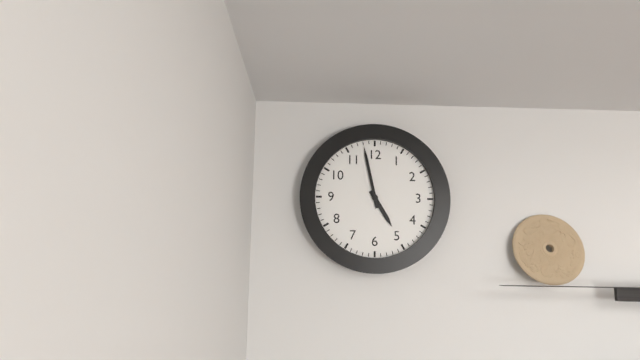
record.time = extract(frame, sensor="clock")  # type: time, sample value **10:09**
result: **4:58**
